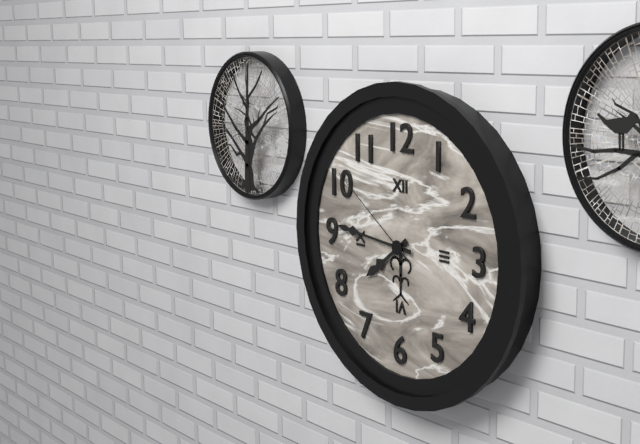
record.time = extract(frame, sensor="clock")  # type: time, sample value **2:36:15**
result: **7:46:51**
